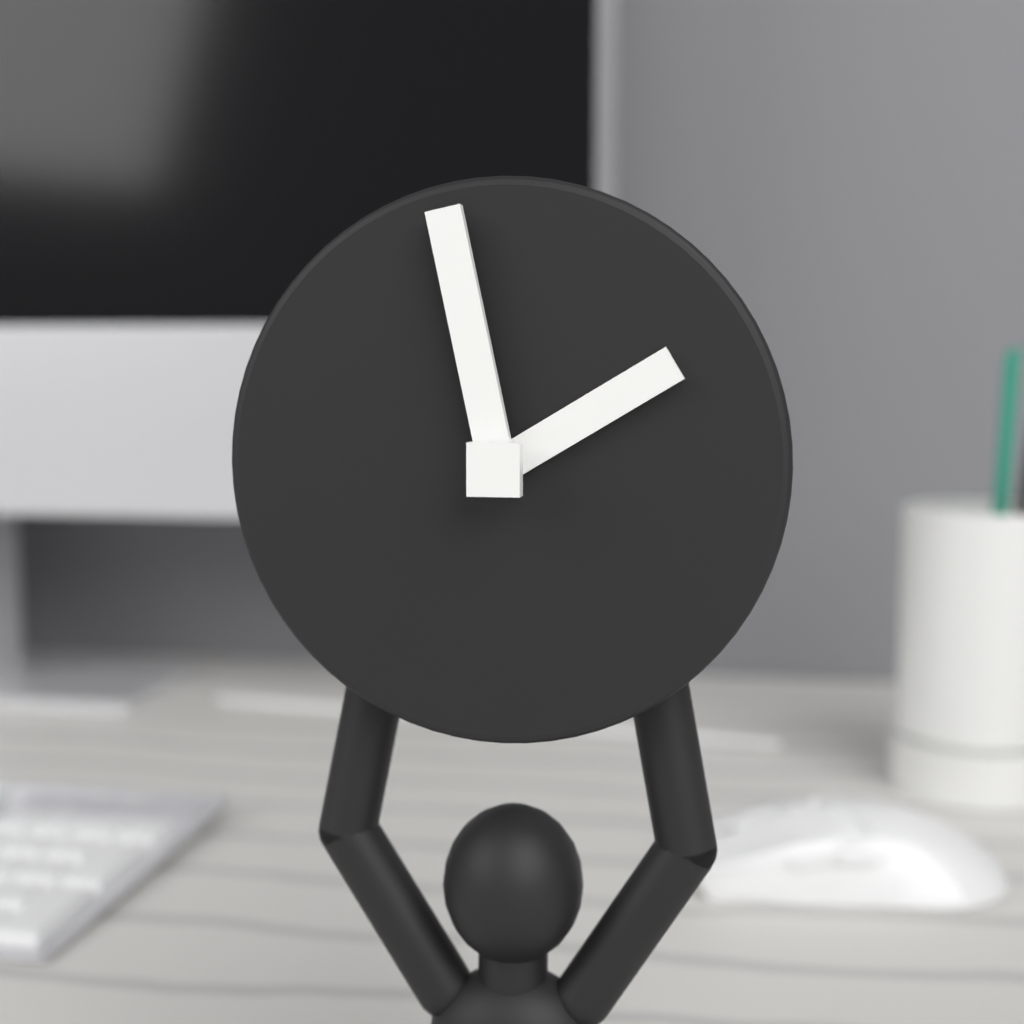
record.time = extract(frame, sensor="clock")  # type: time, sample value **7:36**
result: **1:58**
